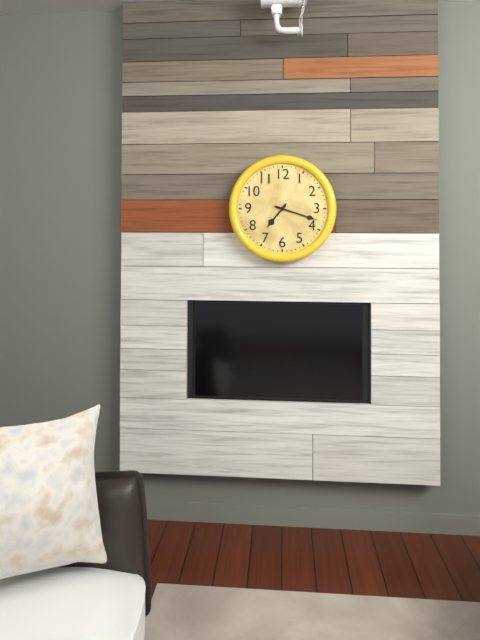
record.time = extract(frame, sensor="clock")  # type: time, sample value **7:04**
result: **7:18**
